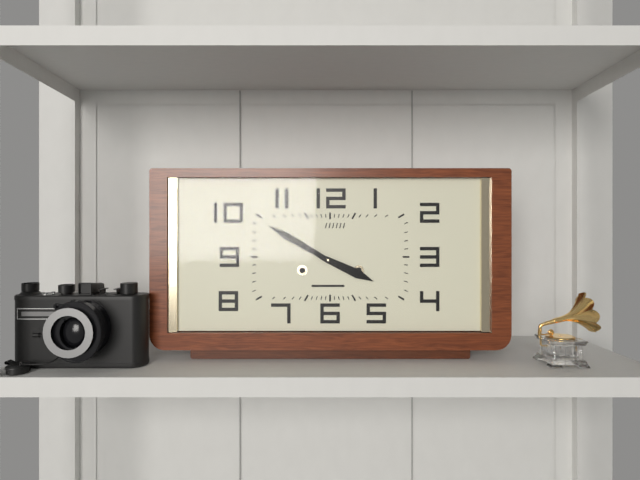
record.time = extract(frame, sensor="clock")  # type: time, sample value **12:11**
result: **3:50**
